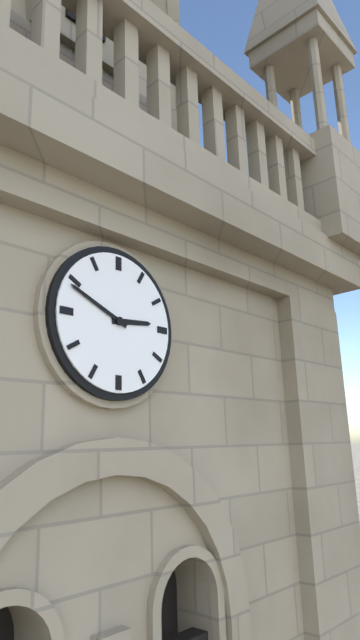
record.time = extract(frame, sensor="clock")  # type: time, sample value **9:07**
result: **2:49**
